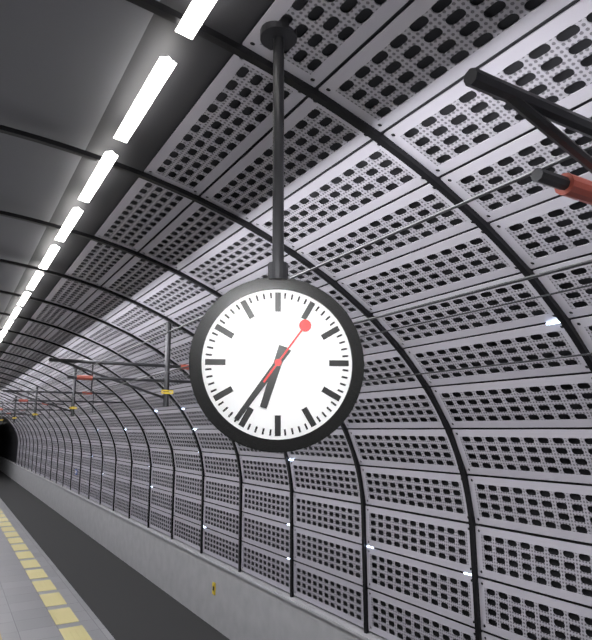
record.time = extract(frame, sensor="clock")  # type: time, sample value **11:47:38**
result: **6:36:06**
